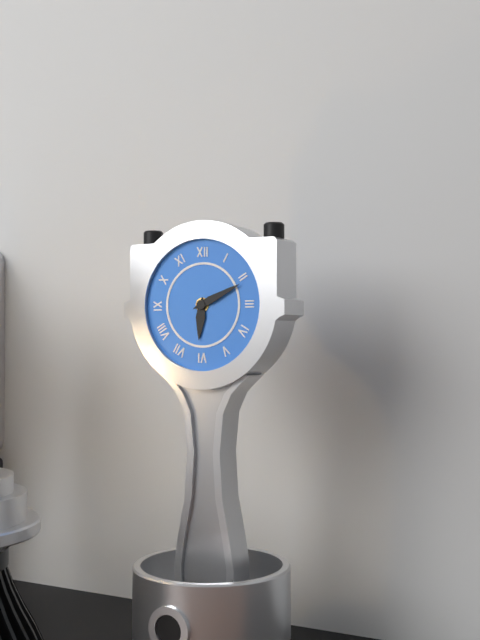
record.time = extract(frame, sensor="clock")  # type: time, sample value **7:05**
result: **6:11**
